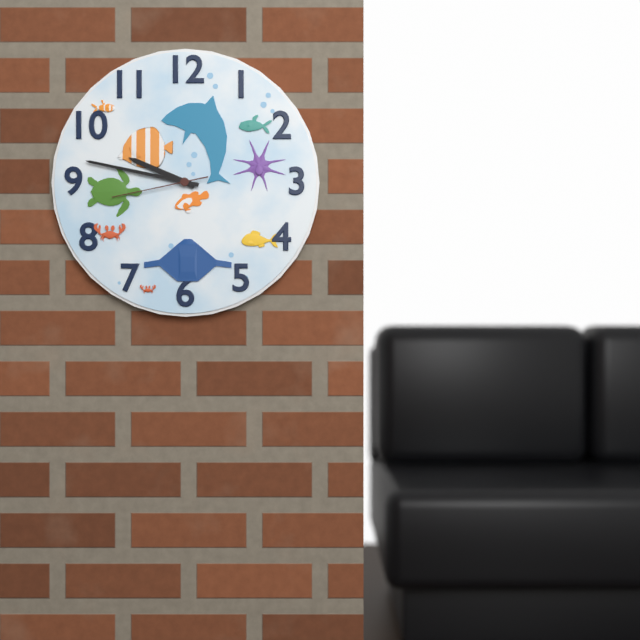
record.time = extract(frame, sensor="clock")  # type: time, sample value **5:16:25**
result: **9:47:43**
